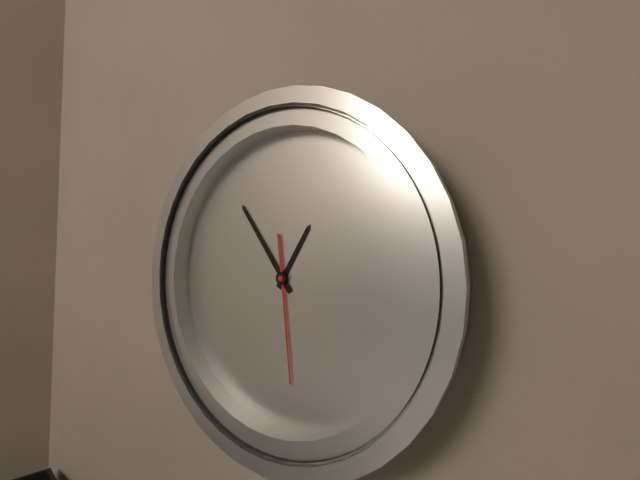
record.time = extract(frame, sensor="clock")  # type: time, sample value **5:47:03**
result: **12:53:28**
